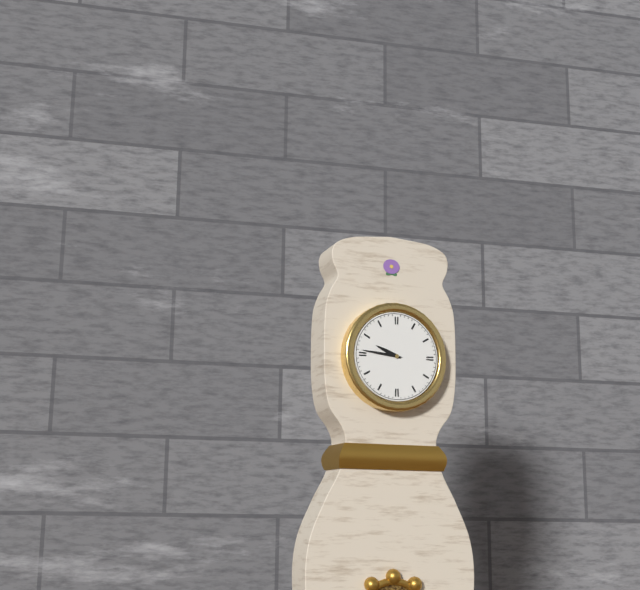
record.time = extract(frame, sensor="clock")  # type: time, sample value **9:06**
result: **9:46**
